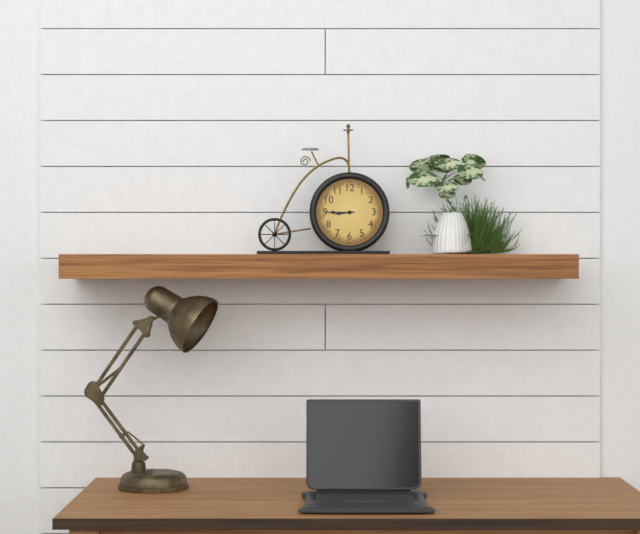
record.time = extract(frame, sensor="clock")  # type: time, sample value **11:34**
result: **8:45**
